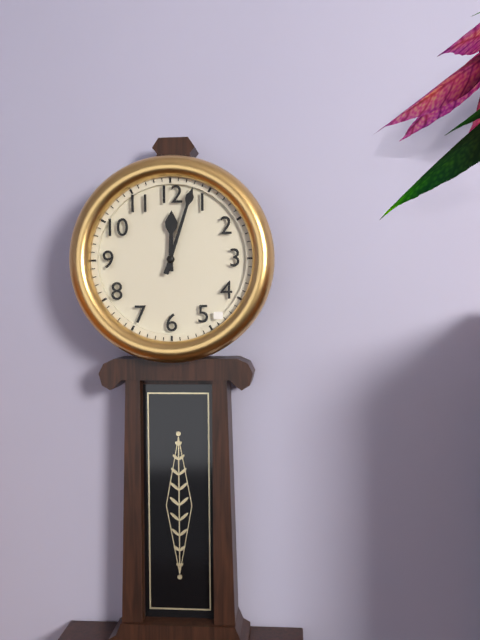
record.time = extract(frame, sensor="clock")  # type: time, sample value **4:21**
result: **12:03**
